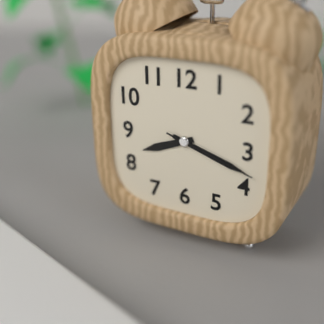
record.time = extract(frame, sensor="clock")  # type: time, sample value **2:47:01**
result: **8:18:18**
